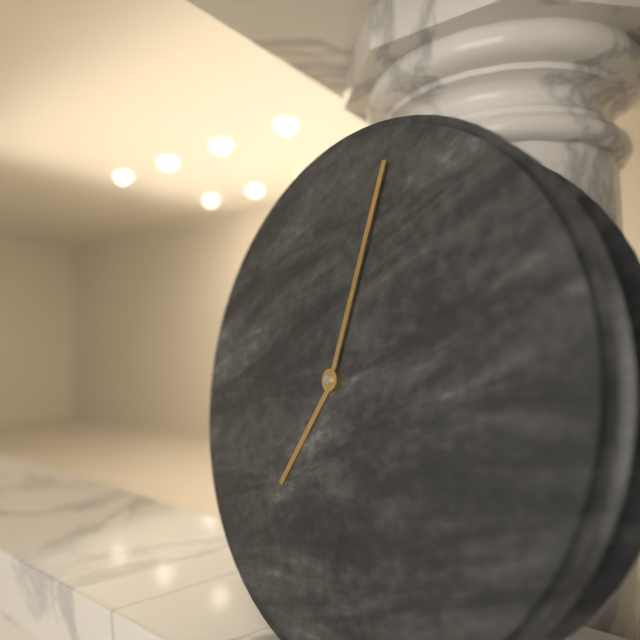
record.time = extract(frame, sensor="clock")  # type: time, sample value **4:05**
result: **7:02**
